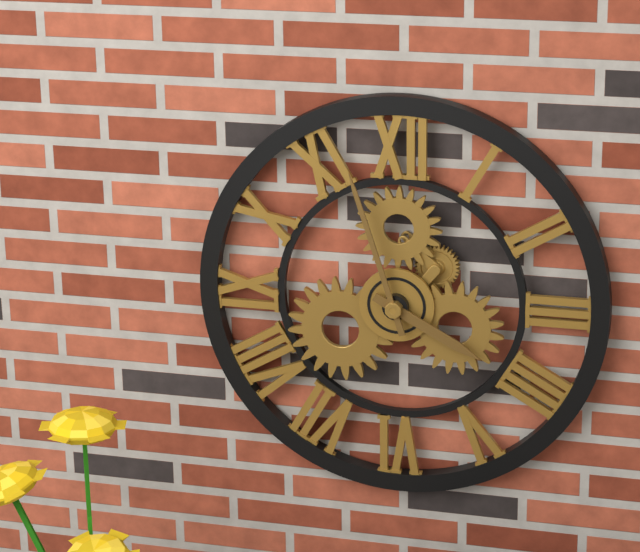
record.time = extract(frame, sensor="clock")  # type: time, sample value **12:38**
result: **3:57**
